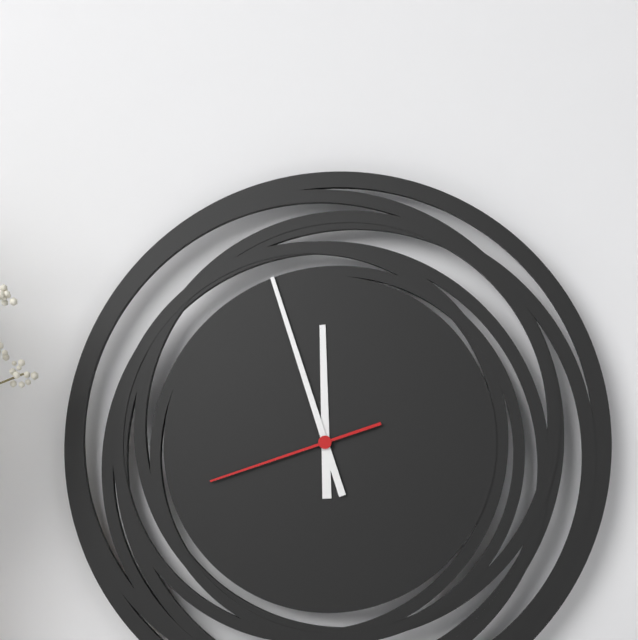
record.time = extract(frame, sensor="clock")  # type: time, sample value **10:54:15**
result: **11:57:42**
